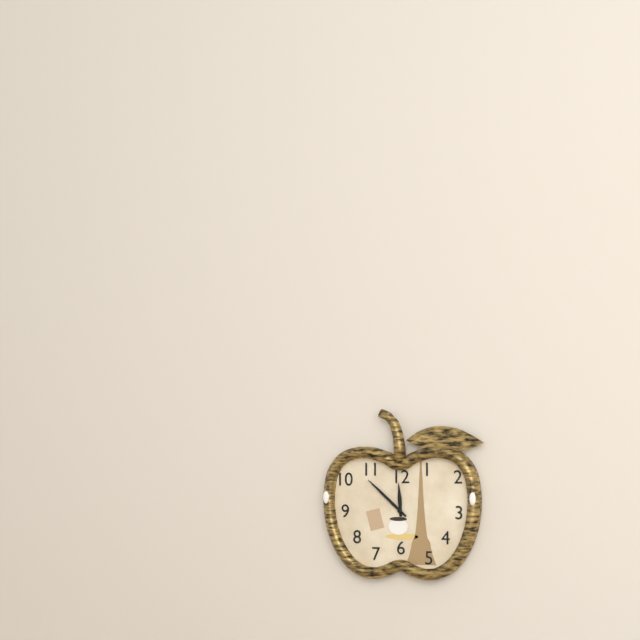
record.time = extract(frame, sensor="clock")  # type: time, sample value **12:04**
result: **11:52**
